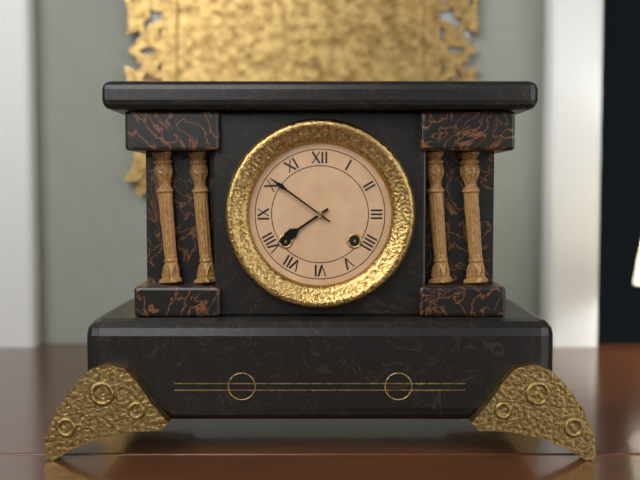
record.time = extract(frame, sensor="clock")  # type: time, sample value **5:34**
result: **7:51**
